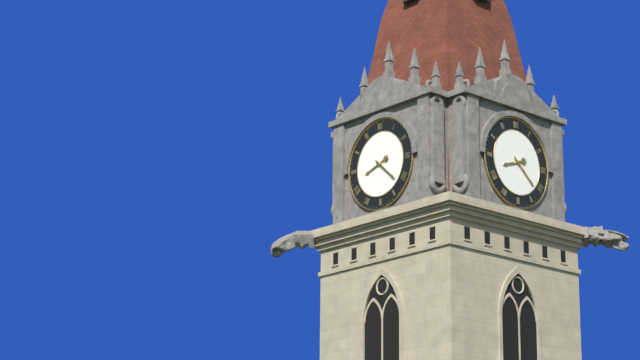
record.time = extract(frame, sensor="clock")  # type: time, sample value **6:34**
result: **8:22**
